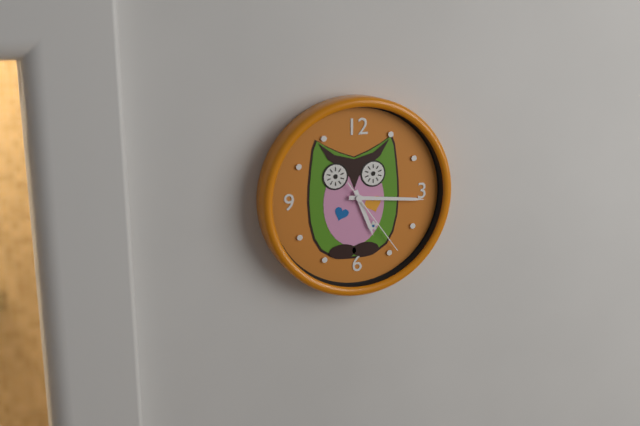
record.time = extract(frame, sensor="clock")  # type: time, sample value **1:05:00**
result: **5:16:24**
